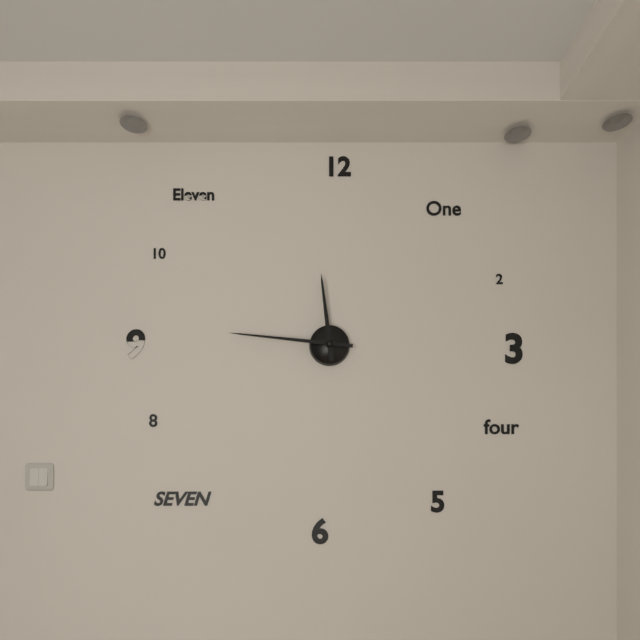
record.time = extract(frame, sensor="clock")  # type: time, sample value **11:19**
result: **11:46**
